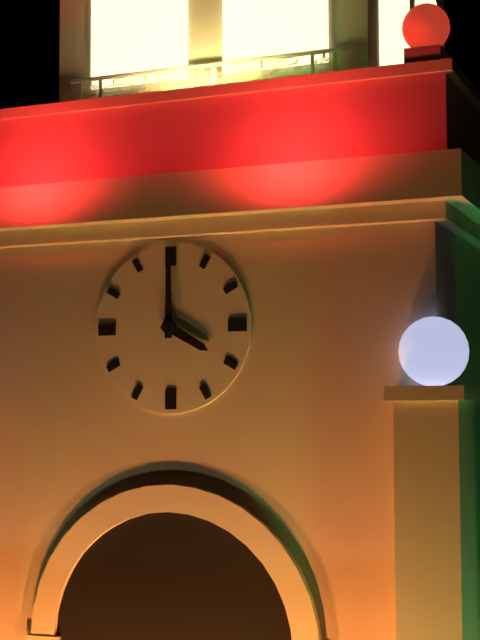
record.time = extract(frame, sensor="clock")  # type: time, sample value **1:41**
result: **4:00**
